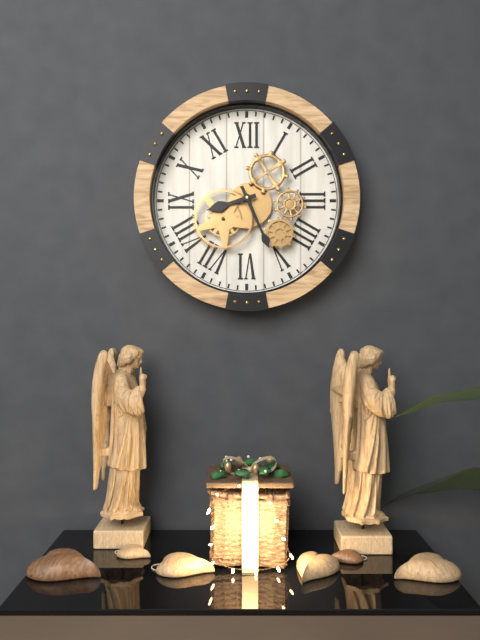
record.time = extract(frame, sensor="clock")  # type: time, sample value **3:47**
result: **8:26**
